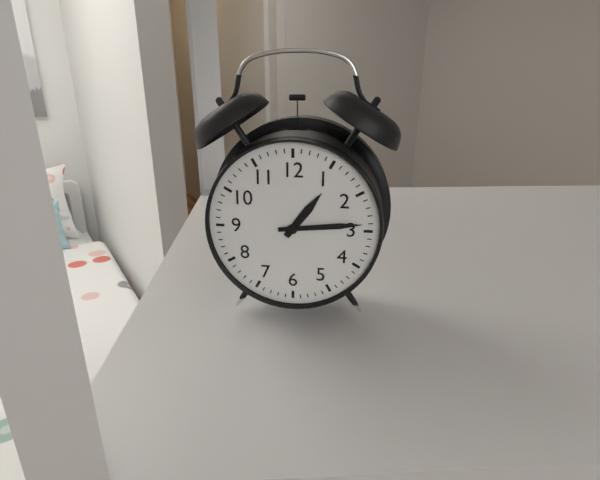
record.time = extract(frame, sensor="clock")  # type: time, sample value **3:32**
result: **1:14**
